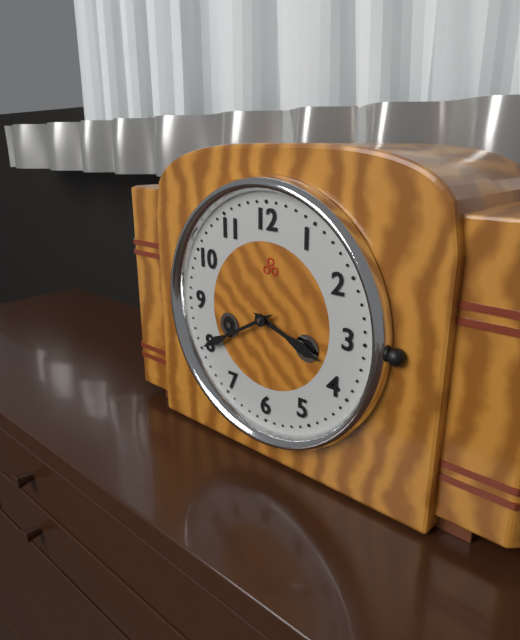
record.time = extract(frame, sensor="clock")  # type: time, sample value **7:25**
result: **3:40**
